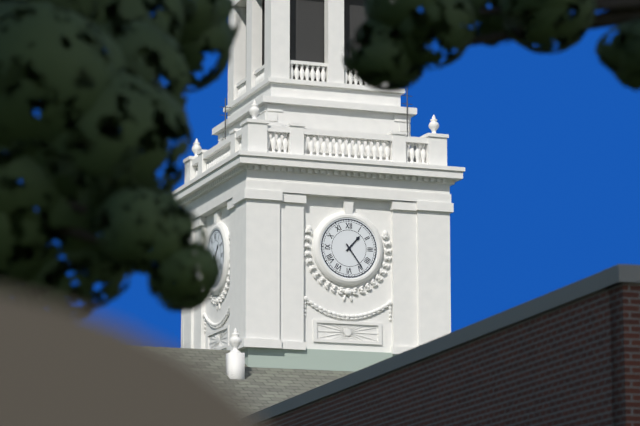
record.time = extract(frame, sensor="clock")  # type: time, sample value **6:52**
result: **1:24**
